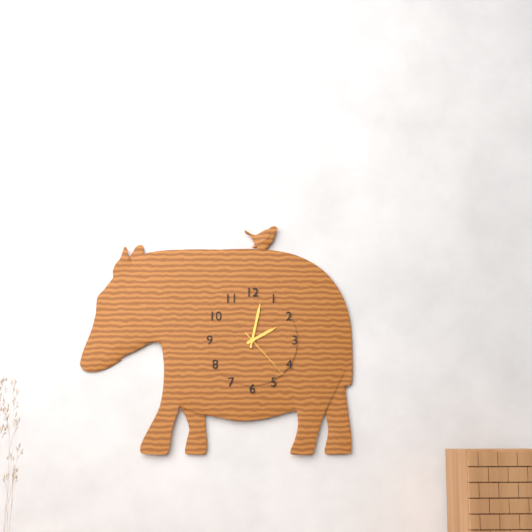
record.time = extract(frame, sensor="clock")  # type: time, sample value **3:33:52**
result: **2:02:23**
